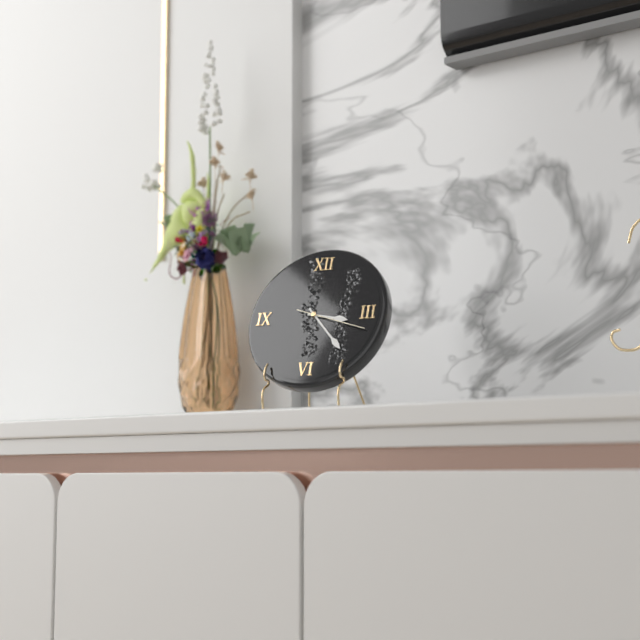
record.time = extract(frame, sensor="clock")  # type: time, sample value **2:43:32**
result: **3:23:18**
